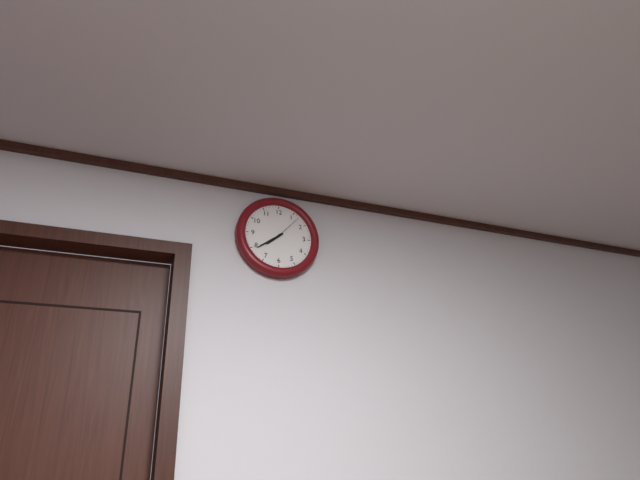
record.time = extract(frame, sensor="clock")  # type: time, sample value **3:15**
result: **7:39**
